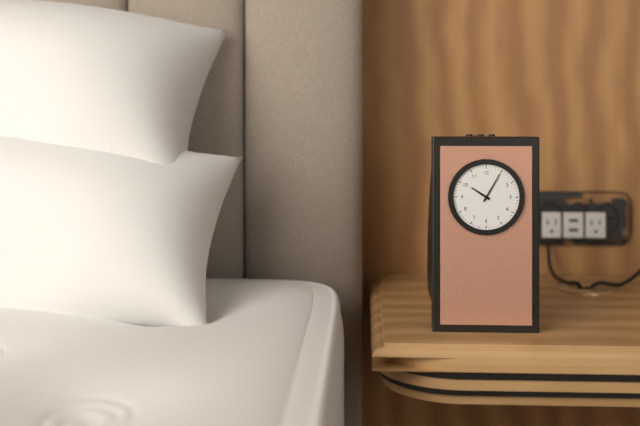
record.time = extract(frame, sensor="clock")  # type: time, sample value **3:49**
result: **10:05**
